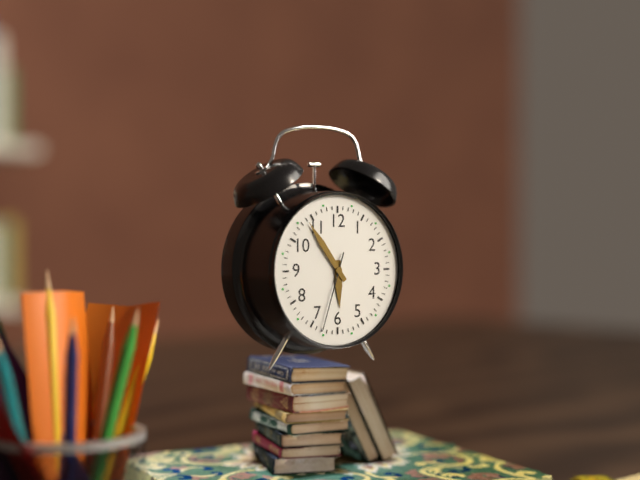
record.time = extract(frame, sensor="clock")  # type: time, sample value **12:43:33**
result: **5:54:33**
